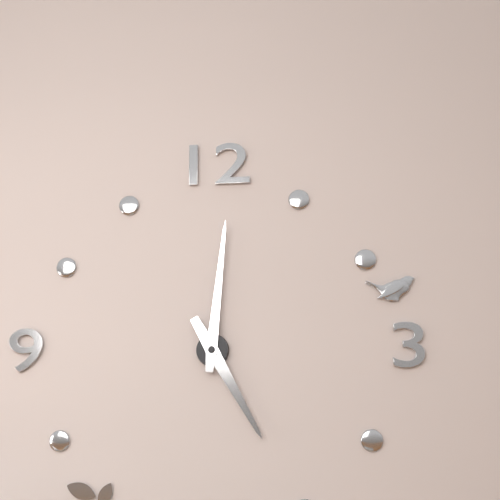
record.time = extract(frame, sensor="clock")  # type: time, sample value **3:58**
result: **5:01**
